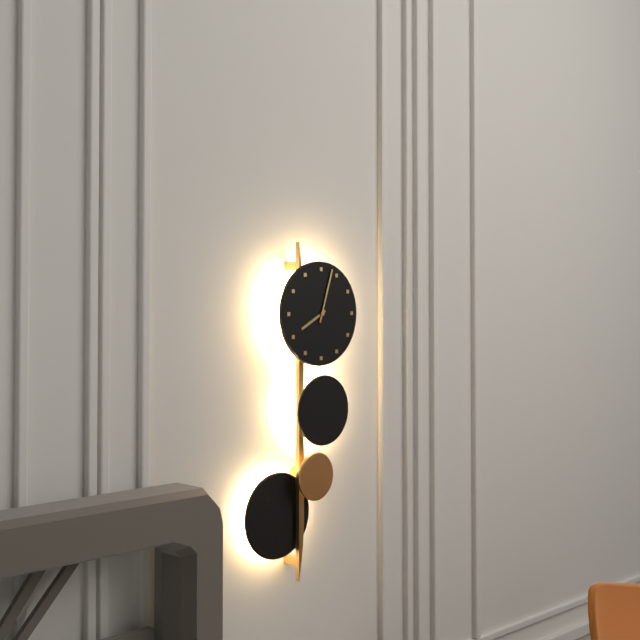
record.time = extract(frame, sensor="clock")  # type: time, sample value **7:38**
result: **8:03**
